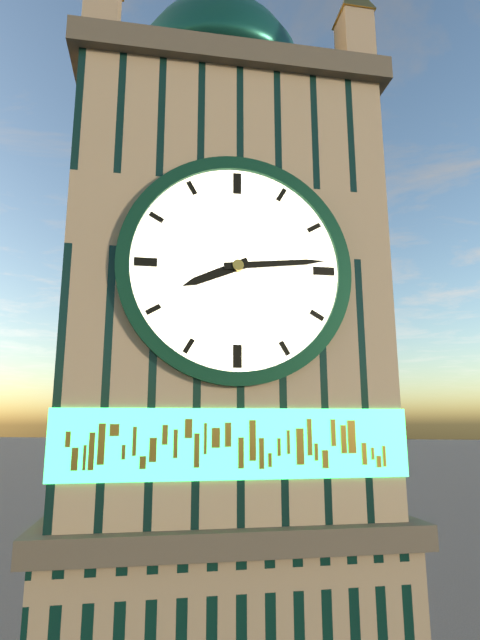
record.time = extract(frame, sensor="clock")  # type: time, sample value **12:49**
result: **8:14**
